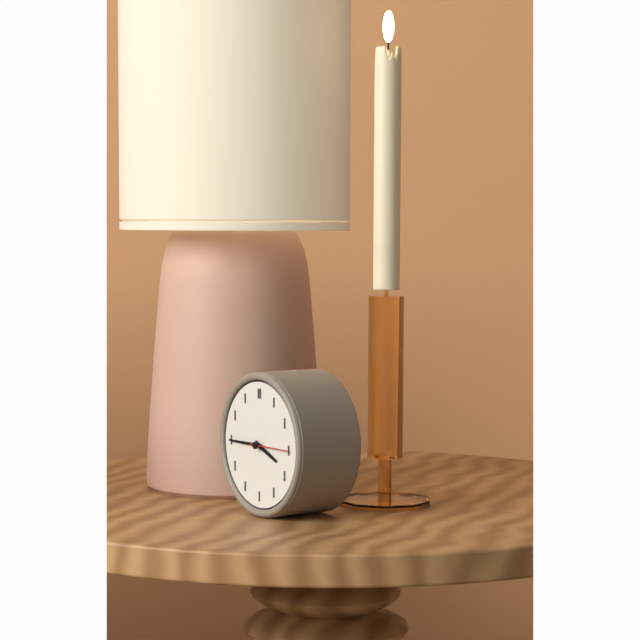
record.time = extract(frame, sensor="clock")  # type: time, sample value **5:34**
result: **3:45**
